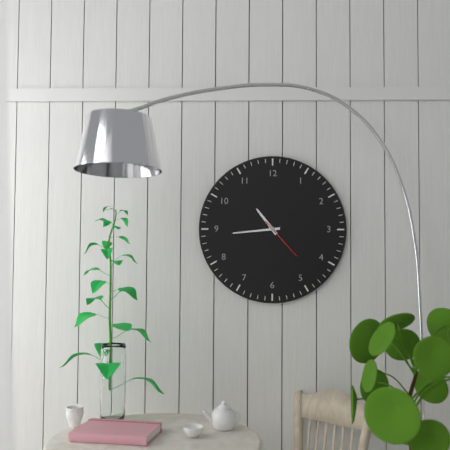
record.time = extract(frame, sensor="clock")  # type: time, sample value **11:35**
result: **10:44**
